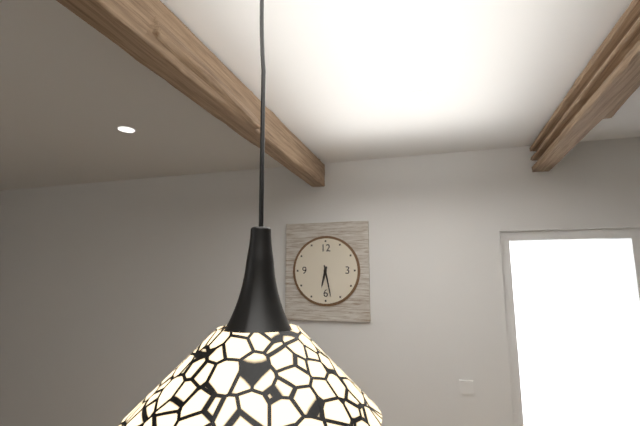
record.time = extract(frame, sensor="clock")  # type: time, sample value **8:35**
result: **6:28**
